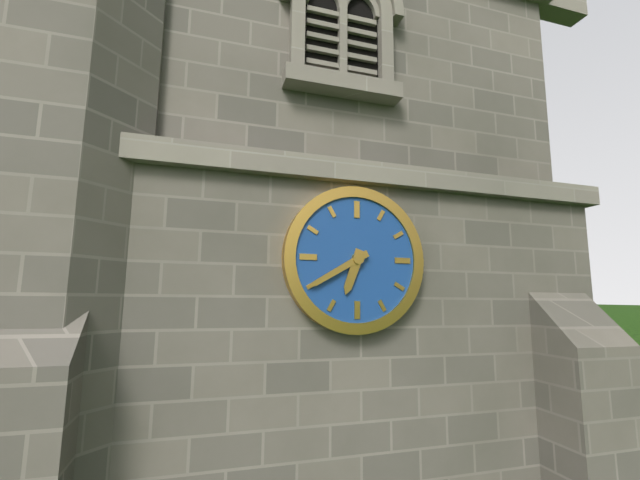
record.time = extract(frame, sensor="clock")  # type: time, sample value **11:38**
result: **6:40**
